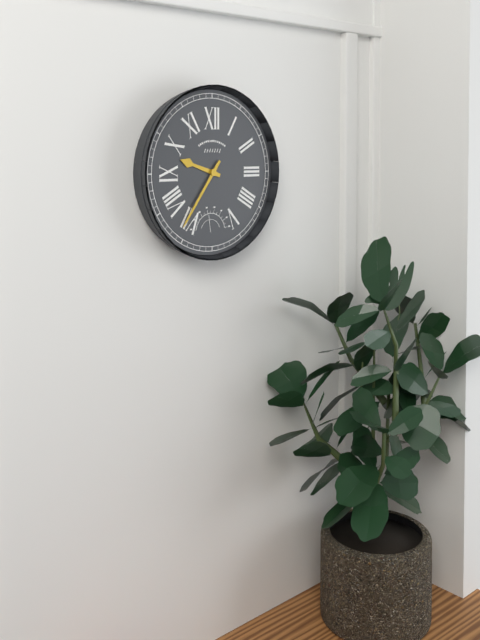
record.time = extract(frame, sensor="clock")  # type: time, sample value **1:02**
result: **9:36**
